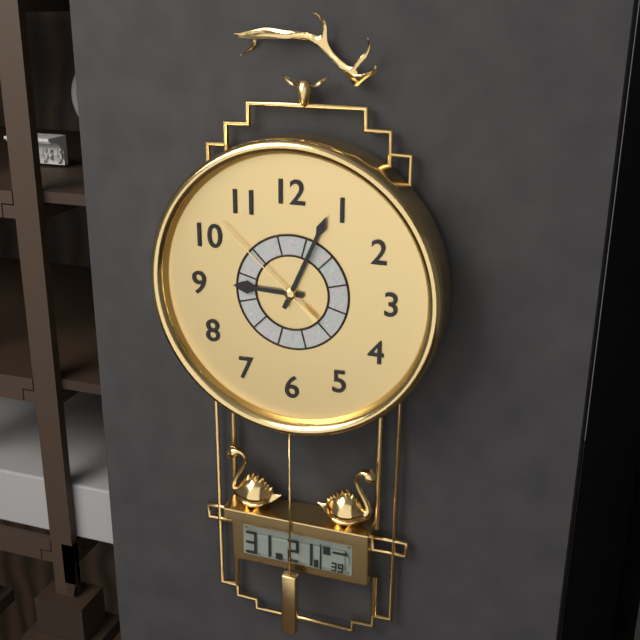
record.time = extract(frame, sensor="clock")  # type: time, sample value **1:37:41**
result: **9:04:52**
